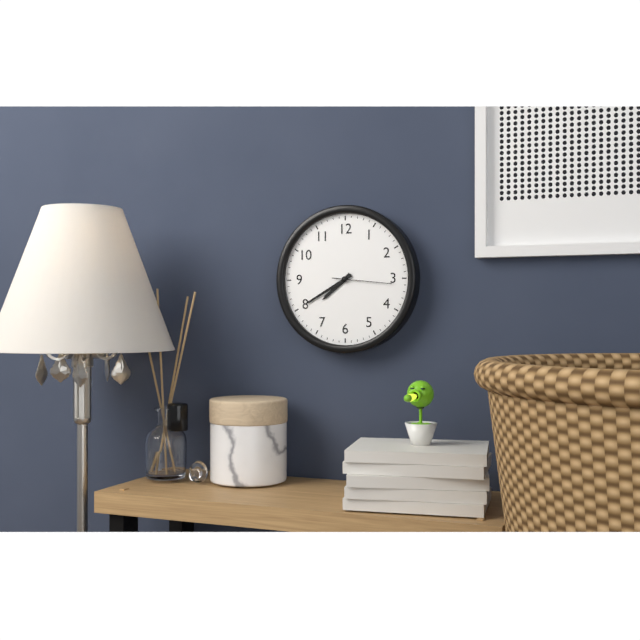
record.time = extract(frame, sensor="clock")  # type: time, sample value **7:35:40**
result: **7:40:16**
